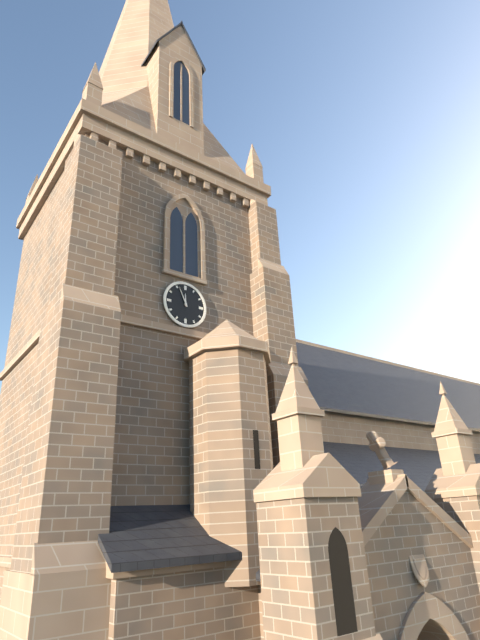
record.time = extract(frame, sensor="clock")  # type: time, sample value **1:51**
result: **11:56**
